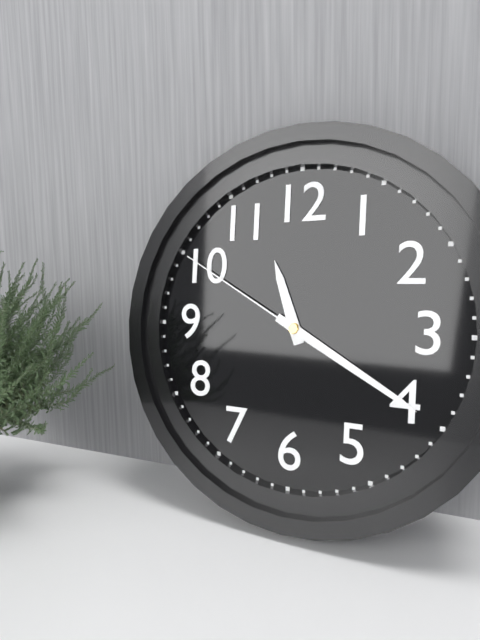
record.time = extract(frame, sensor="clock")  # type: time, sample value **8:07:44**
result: **11:20:50**
